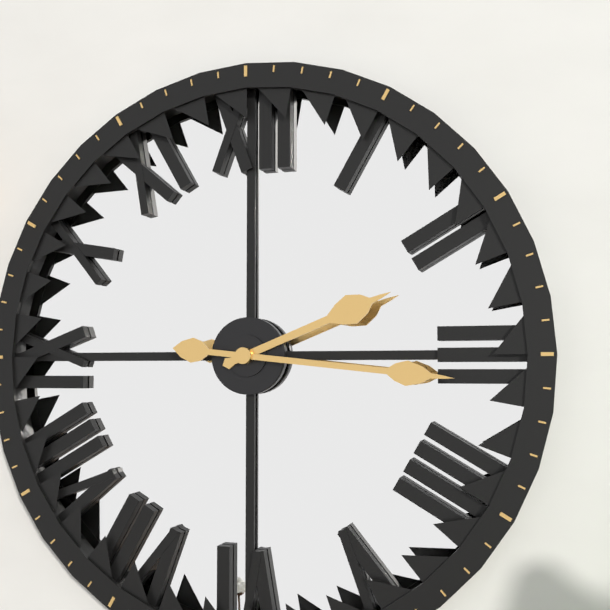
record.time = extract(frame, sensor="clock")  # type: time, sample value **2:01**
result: **2:16**
